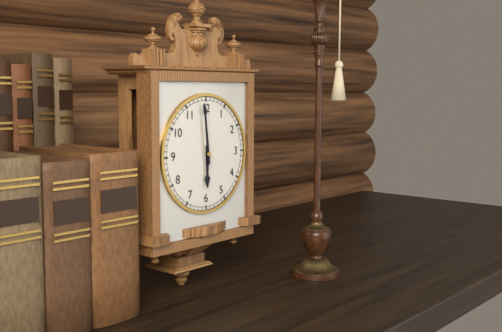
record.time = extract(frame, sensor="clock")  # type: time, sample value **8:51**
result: **5:59**
